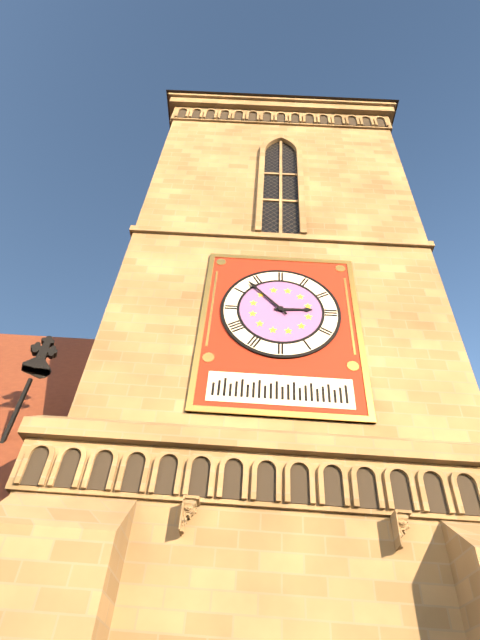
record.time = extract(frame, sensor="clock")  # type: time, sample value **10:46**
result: **2:53**
